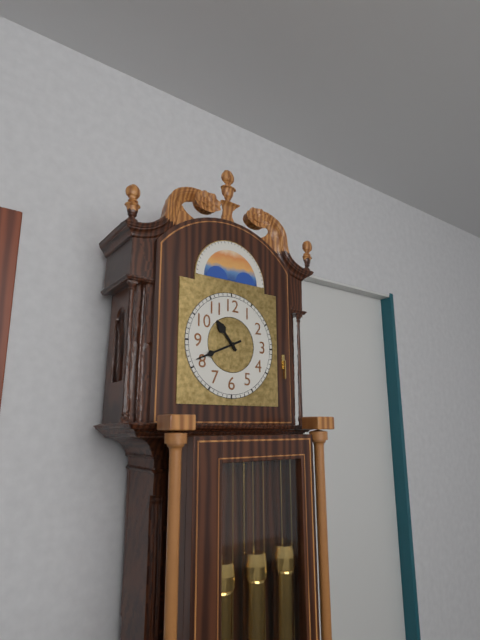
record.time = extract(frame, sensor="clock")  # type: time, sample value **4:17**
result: **10:41**
